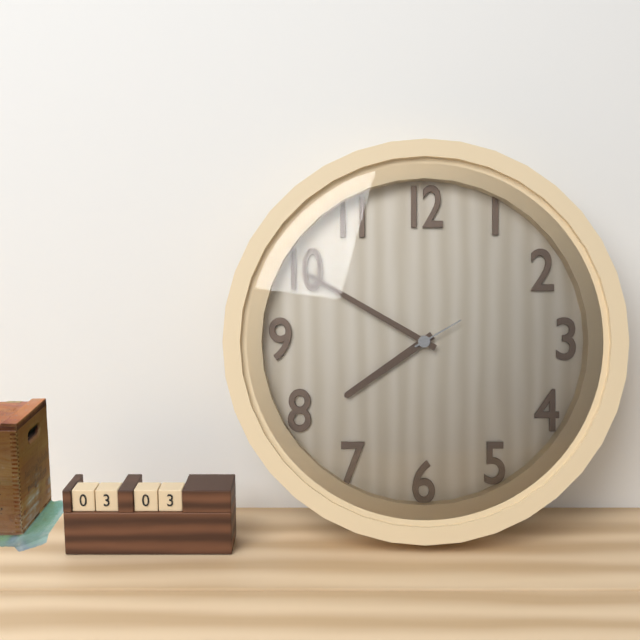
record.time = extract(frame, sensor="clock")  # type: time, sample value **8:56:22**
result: **7:50:10**
